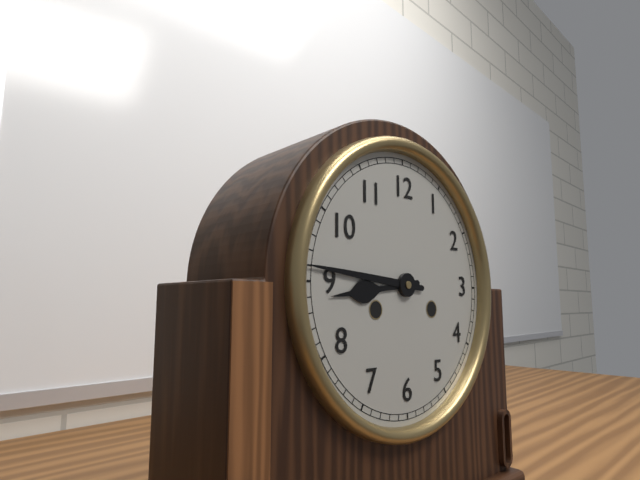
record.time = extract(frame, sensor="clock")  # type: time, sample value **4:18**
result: **8:46**
